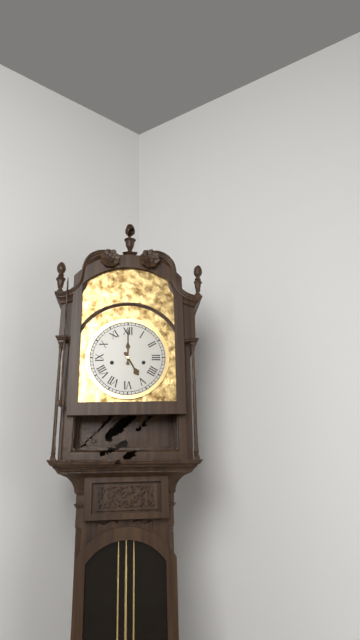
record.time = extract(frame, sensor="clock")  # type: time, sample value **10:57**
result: **5:00**
